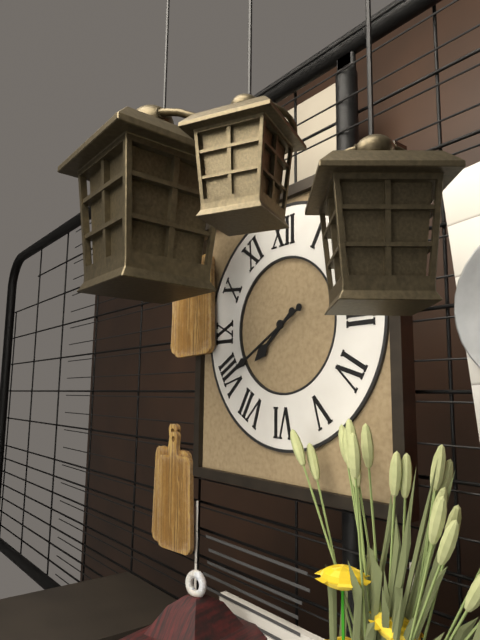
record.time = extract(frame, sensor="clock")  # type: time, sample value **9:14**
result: **7:40**
